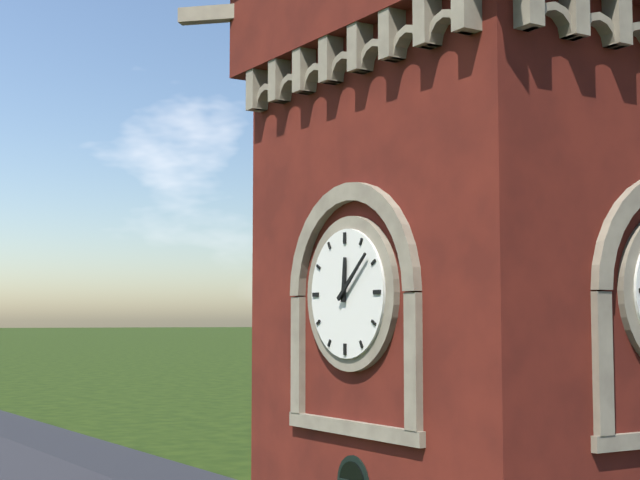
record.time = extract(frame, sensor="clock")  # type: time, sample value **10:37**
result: **12:08**
